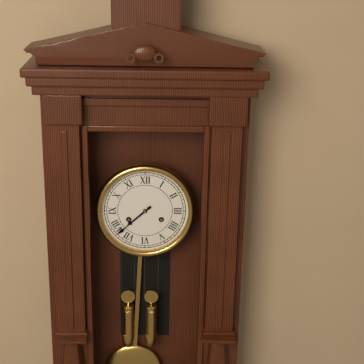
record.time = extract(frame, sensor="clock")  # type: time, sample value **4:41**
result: **7:38**
